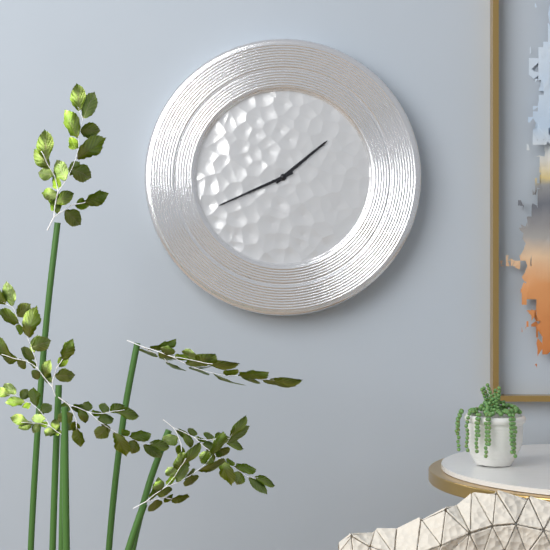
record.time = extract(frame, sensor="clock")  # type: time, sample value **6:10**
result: **1:41**
